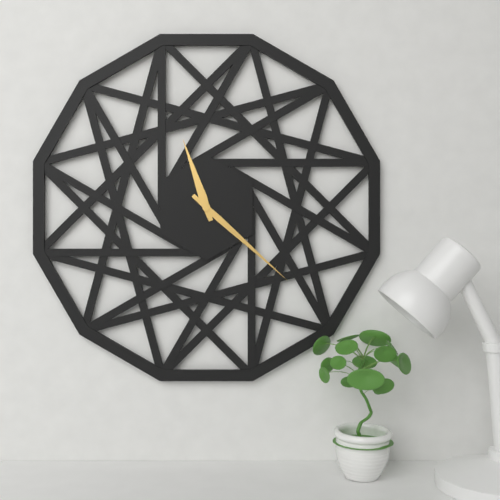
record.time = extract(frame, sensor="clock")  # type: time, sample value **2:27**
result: **11:22**
